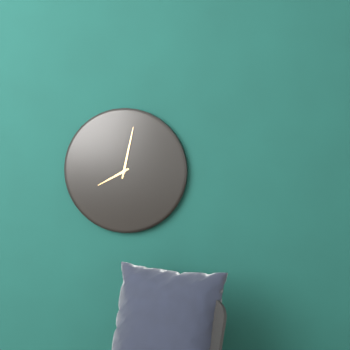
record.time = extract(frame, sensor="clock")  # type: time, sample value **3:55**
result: **8:02**
